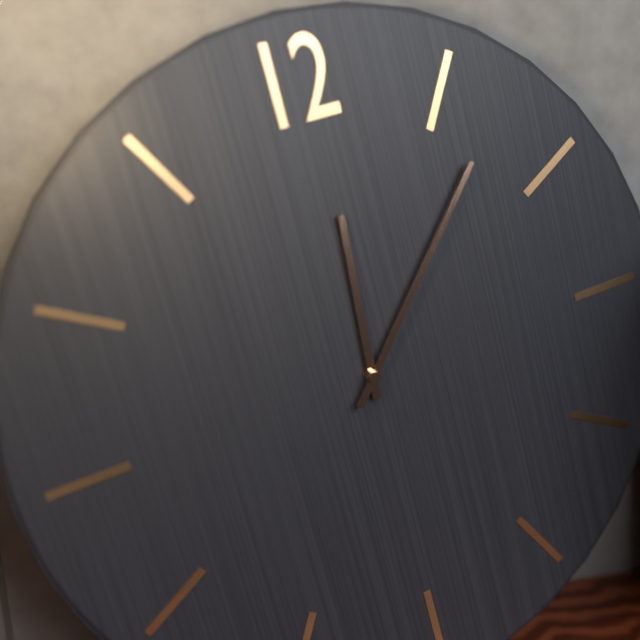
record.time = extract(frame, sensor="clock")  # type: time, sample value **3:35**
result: **12:07**
